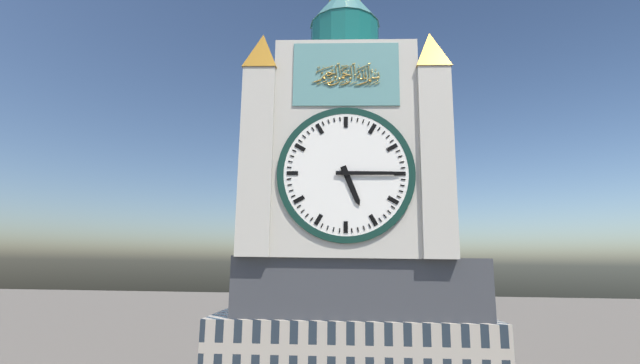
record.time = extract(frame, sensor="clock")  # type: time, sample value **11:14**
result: **5:15**
